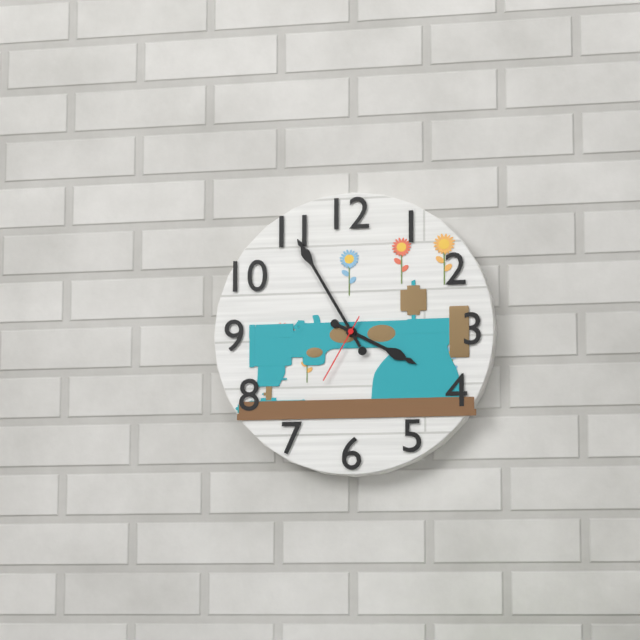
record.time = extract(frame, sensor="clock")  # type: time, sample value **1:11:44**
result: **3:55:35**
